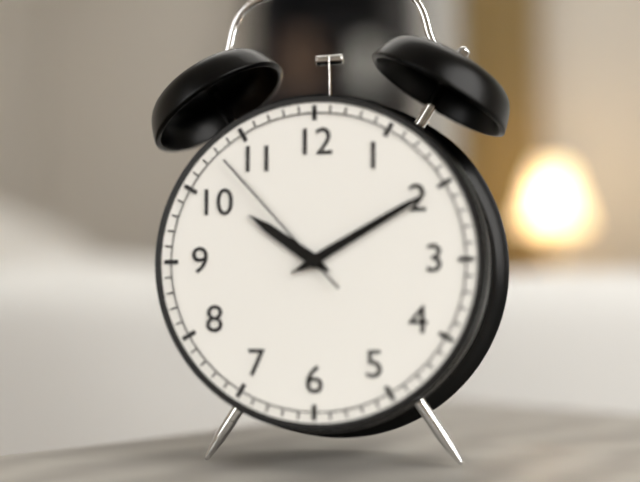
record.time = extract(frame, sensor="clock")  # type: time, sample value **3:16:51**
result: **10:10:53**
